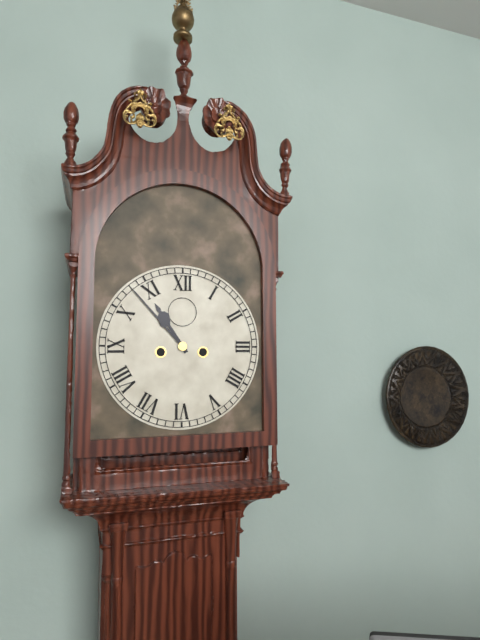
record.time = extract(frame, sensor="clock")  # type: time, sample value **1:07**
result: **10:53**
